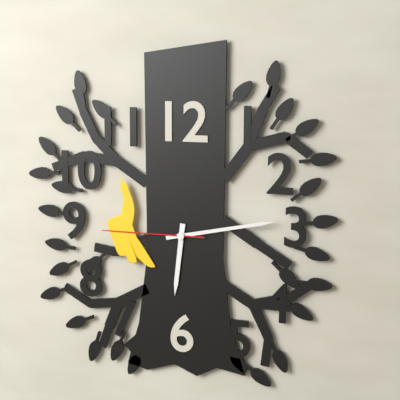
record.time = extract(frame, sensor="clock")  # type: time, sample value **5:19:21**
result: **6:13:45**
